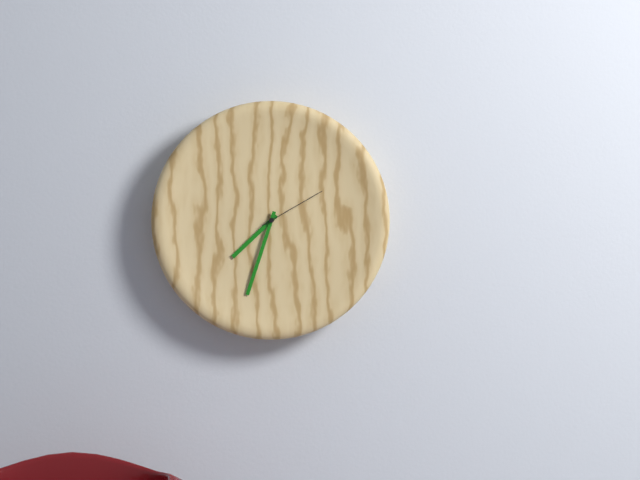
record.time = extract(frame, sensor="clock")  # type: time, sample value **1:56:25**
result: **7:33:10**
